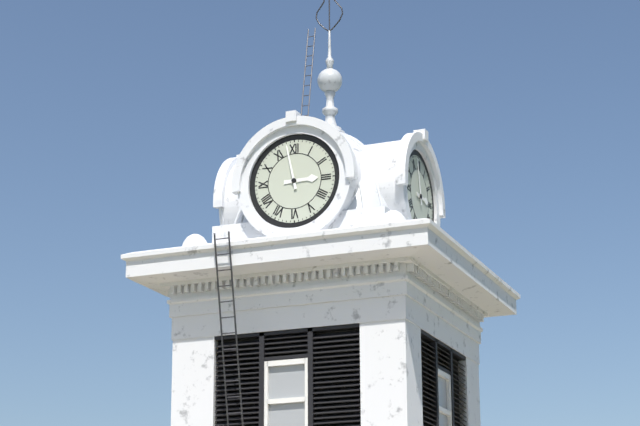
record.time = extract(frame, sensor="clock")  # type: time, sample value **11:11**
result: **2:58**
